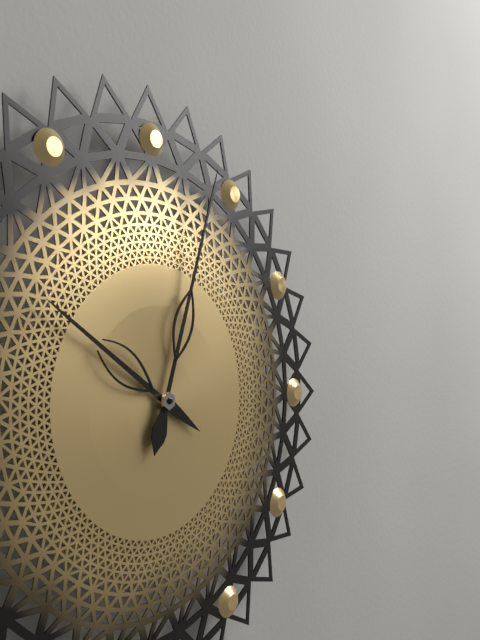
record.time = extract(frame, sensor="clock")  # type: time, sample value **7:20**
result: **10:03**
